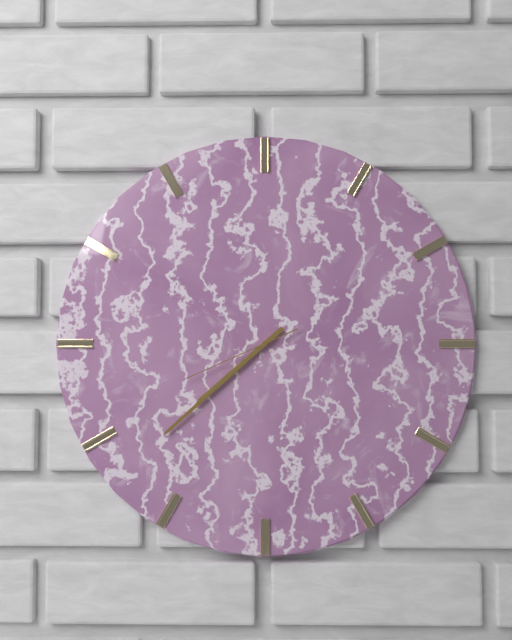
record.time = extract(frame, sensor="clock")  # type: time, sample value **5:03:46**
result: **7:38:41**
